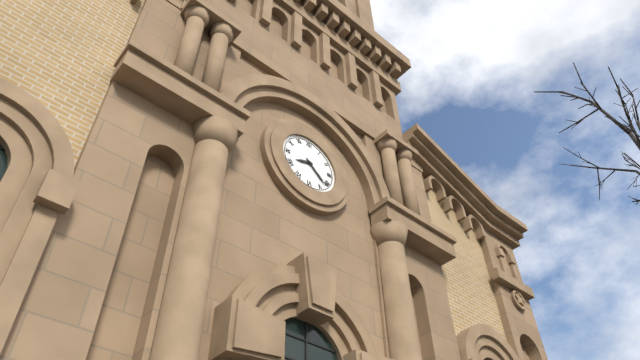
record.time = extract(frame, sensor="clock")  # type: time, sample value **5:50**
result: **8:22**
